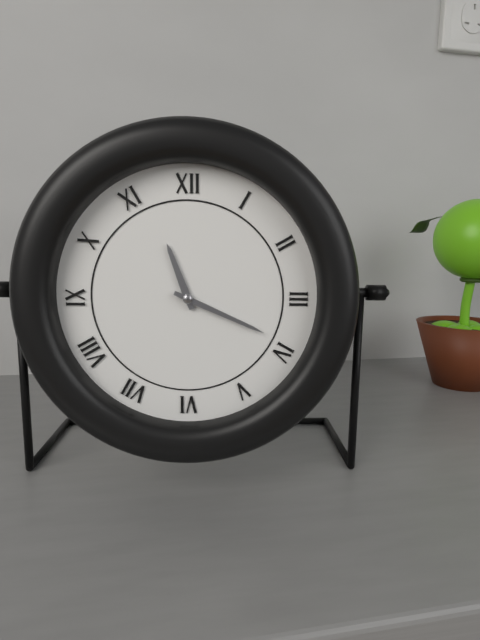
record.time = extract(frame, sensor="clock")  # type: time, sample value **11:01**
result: **11:19**
